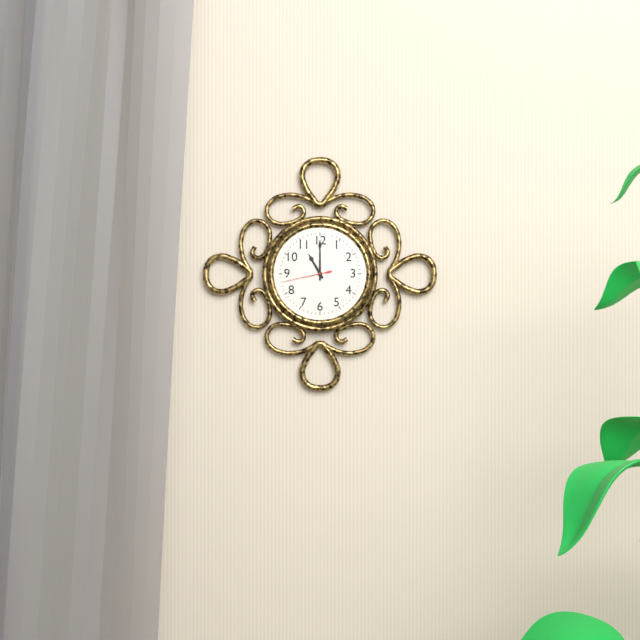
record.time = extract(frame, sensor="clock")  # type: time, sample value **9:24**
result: **11:00**
